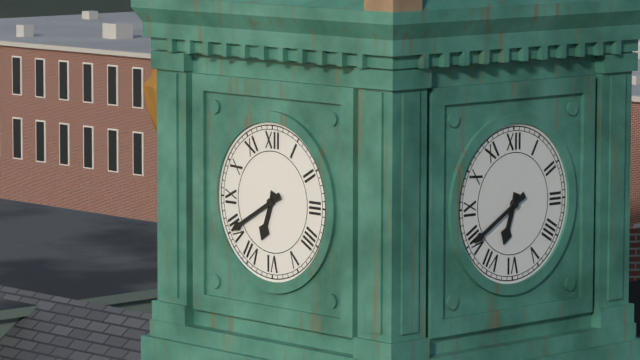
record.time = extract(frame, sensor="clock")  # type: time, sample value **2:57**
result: **6:40**
